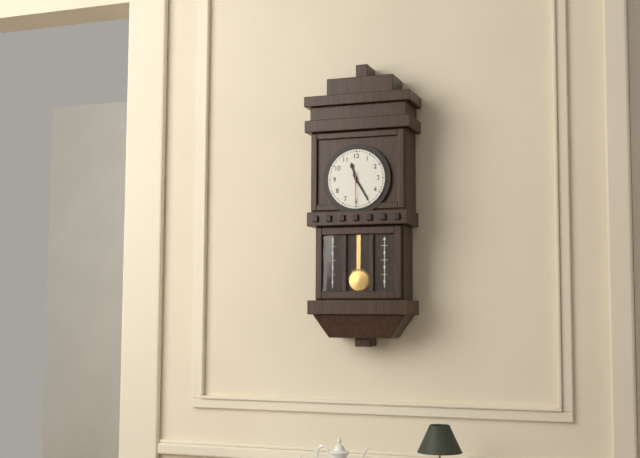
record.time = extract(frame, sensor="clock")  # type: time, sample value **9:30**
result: **11:25**
